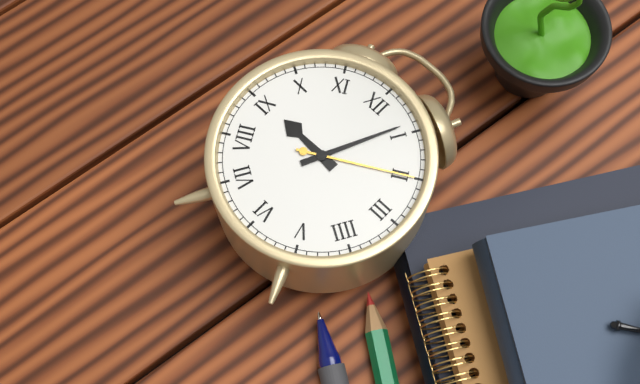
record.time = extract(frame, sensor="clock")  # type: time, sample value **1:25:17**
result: **9:04:10**
